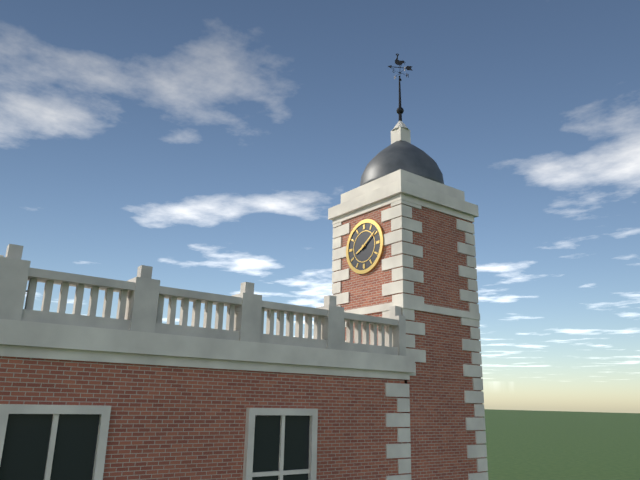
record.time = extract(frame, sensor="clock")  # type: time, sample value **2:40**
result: **8:09**
